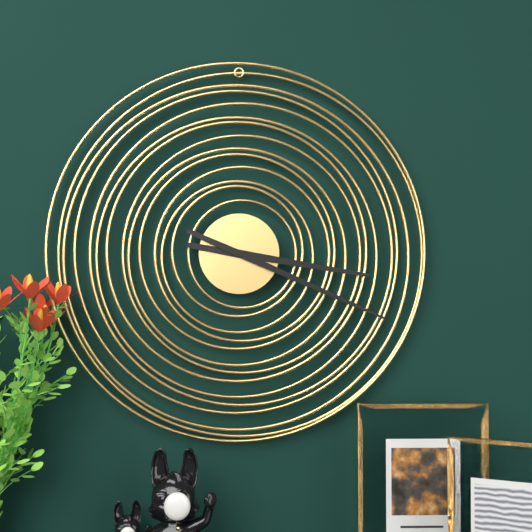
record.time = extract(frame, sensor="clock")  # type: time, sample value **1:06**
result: **3:19**
